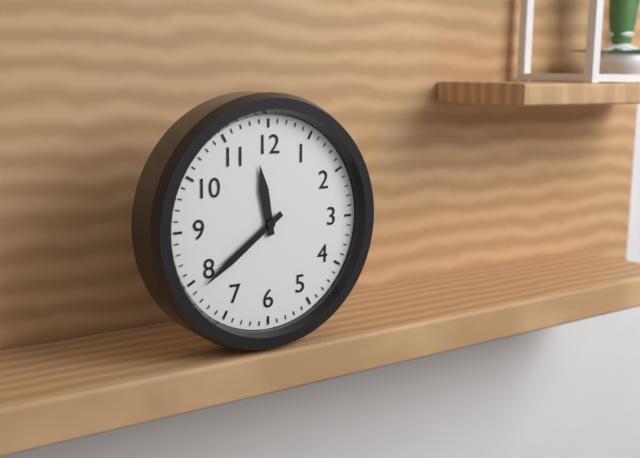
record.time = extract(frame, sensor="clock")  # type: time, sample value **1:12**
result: **11:39**
